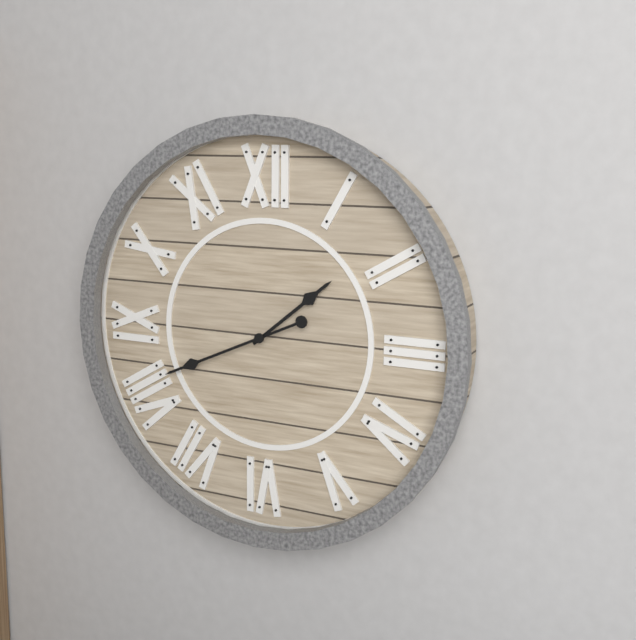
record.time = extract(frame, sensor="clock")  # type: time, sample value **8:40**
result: **1:41**
